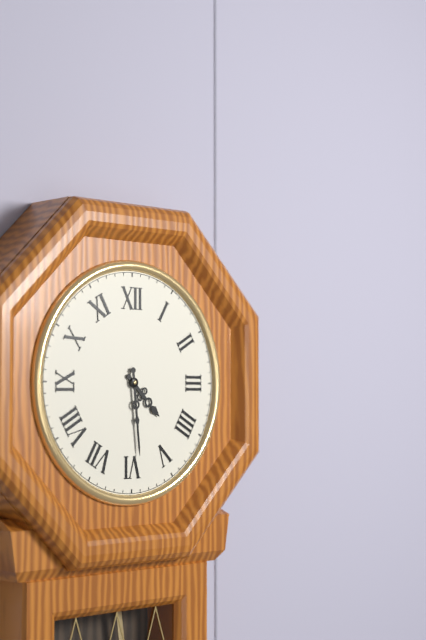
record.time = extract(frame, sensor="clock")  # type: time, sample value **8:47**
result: **4:29**
